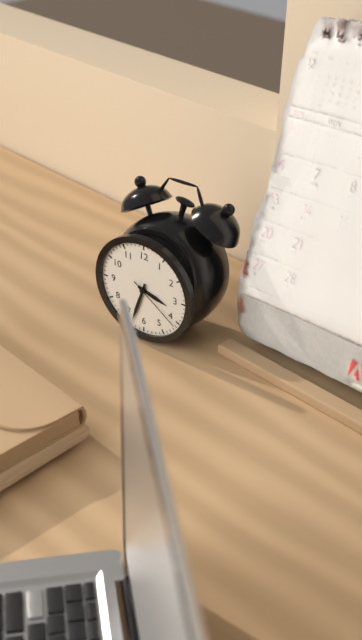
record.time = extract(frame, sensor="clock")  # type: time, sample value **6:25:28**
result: **3:33:21**
